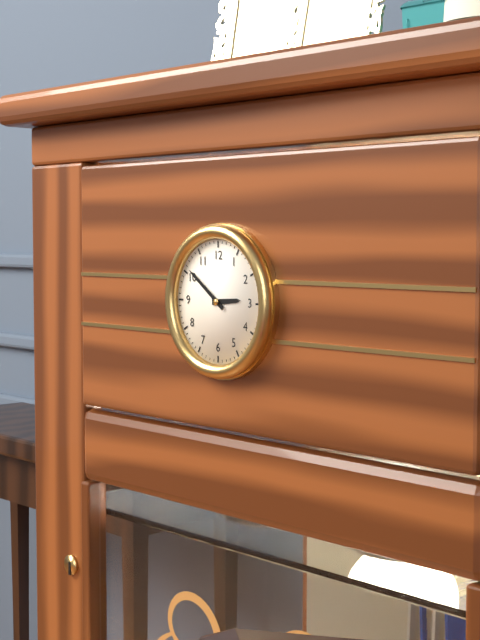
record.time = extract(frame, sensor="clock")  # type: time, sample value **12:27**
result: **2:51**
